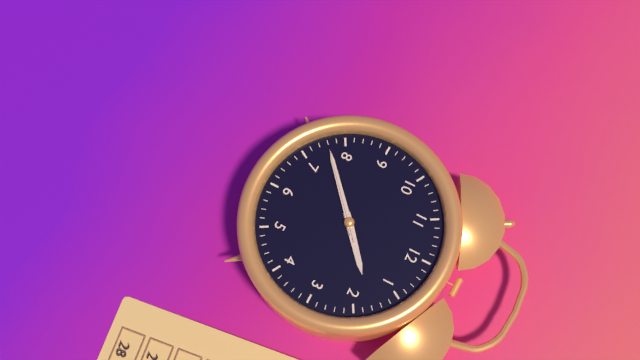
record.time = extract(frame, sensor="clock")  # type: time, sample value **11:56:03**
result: **1:38:38**
